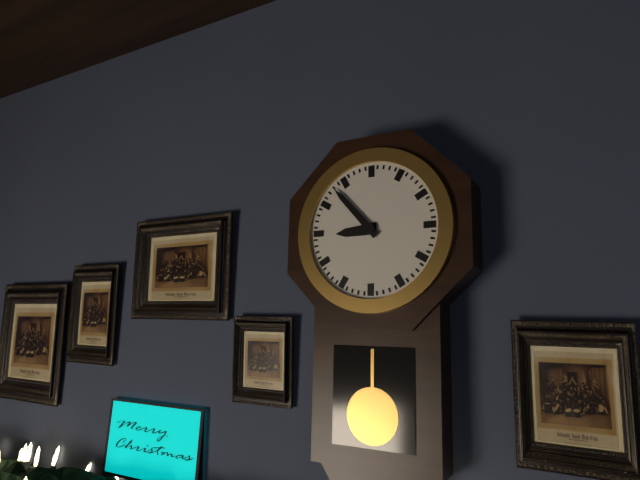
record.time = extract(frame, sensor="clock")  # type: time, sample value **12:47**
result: **8:53**
